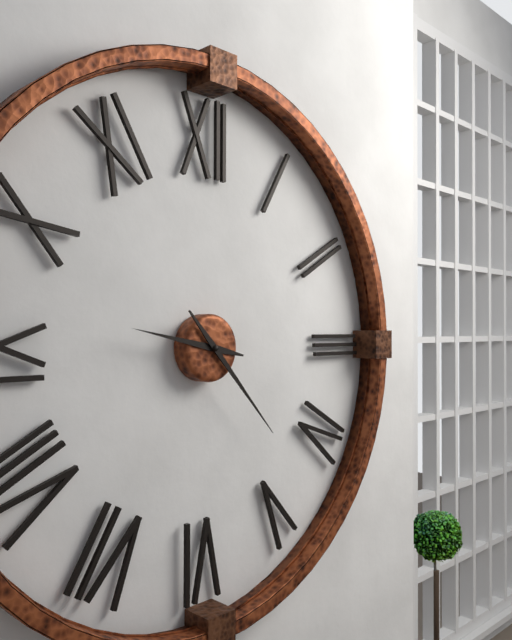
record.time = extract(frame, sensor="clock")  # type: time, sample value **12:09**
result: **9:23**
